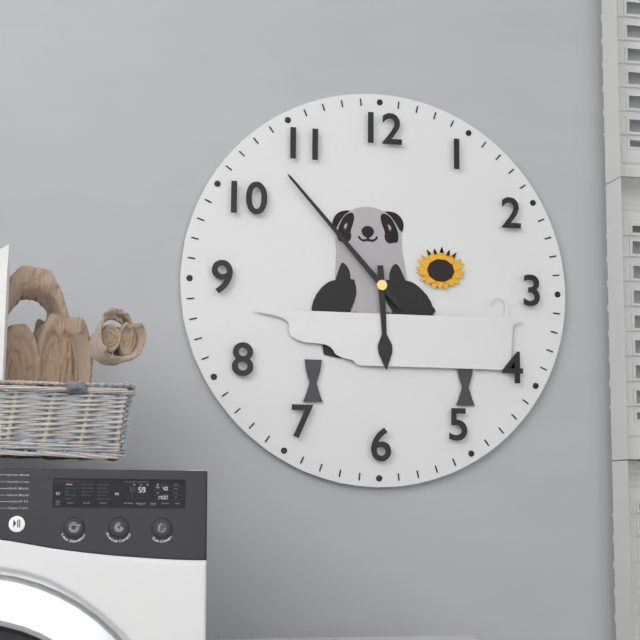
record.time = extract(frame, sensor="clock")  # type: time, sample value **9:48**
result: **5:53**
